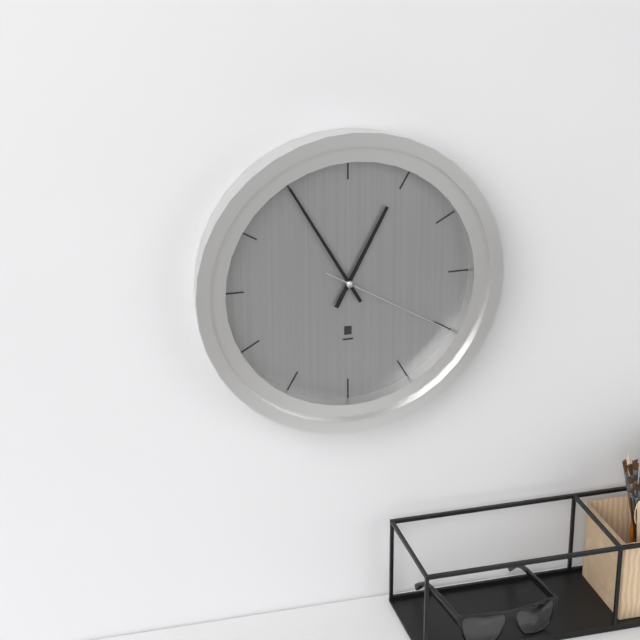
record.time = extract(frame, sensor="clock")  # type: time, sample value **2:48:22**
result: **12:55:20**
